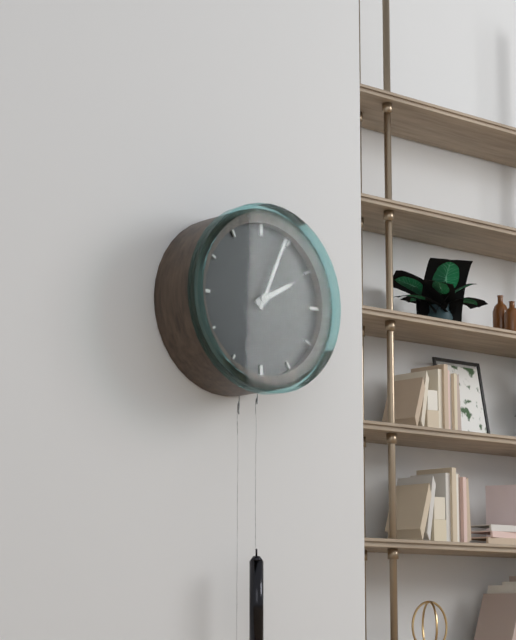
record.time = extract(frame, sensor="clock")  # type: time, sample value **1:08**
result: **2:04**
